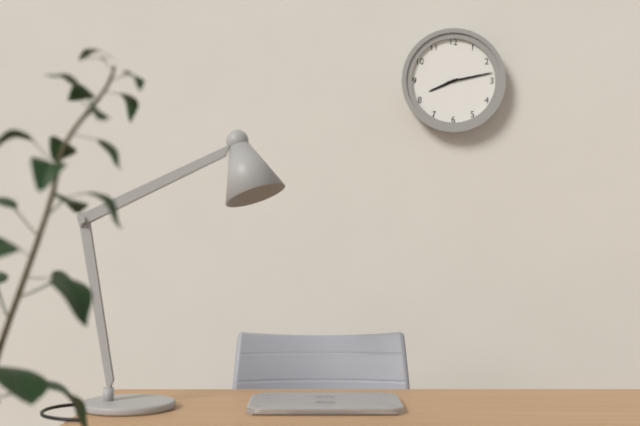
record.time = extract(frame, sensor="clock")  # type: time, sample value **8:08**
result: **8:13**
